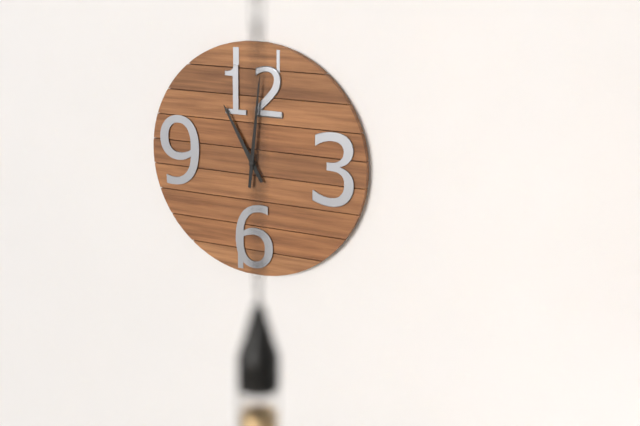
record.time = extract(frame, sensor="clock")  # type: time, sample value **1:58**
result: **11:01**
